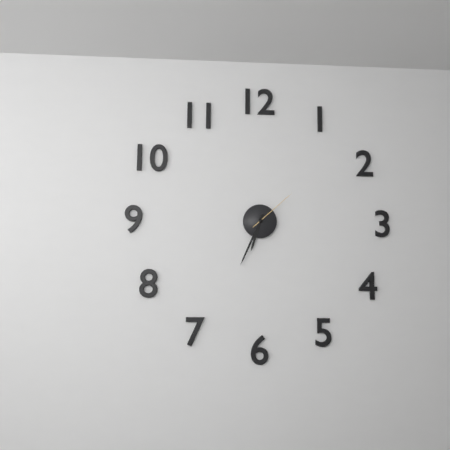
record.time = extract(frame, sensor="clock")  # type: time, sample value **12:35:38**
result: **6:34:08**
